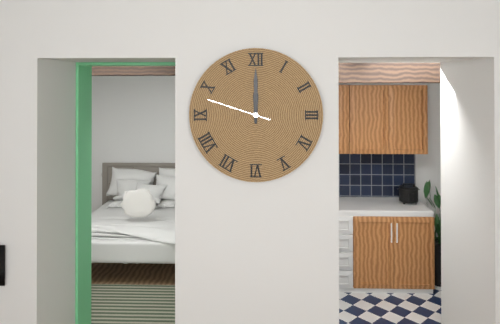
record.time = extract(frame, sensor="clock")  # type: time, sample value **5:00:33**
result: **12:00:48**
